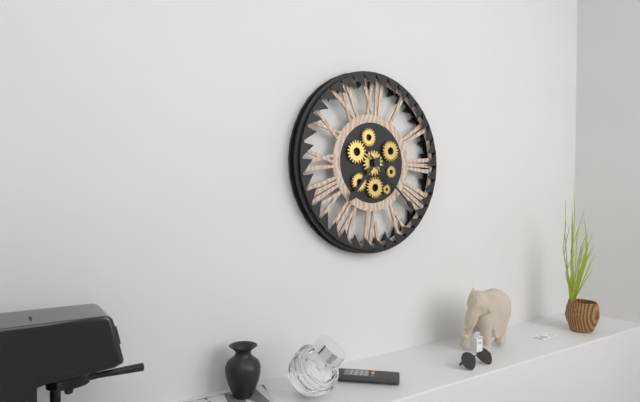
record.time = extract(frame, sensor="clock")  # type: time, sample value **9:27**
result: **7:22**
